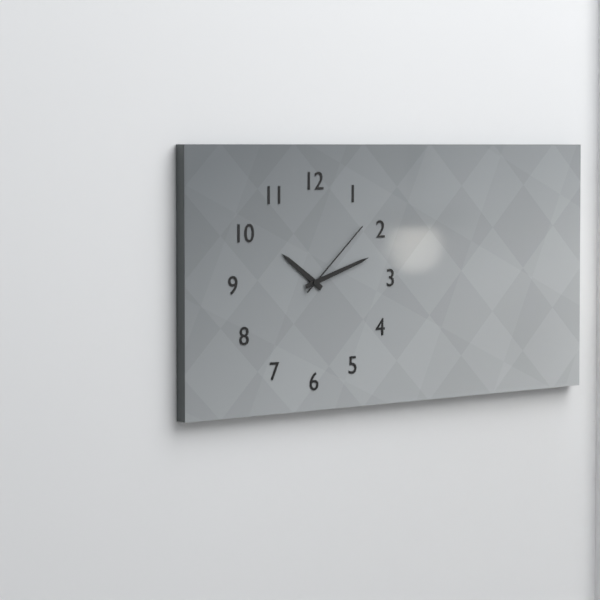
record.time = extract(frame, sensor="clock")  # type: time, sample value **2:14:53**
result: **10:12:08**
